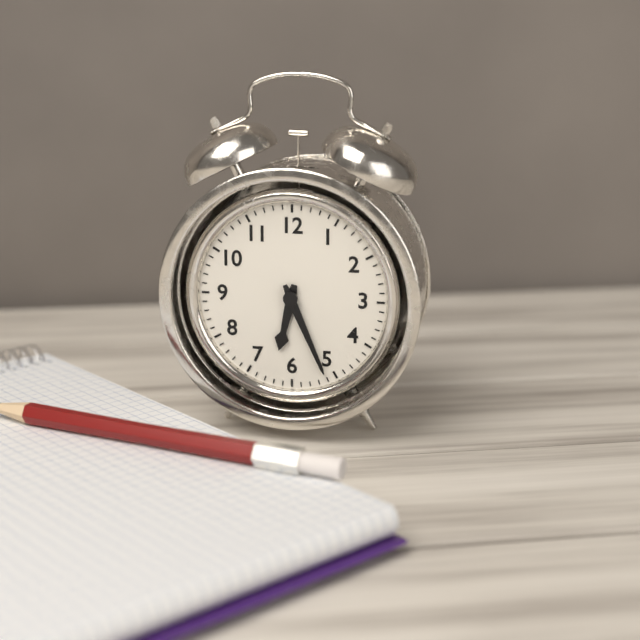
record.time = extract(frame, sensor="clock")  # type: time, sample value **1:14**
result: **6:26**
